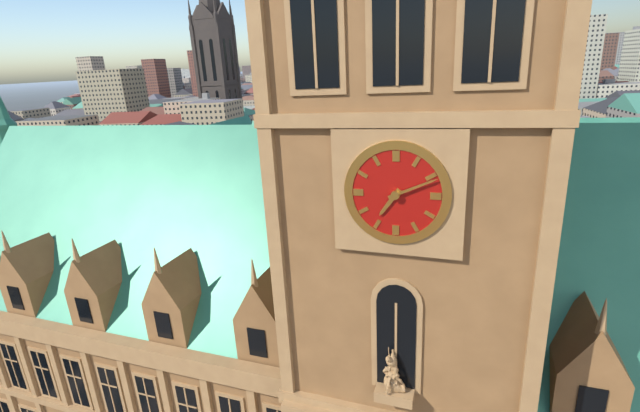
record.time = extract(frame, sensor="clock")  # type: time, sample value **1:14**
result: **7:11**
